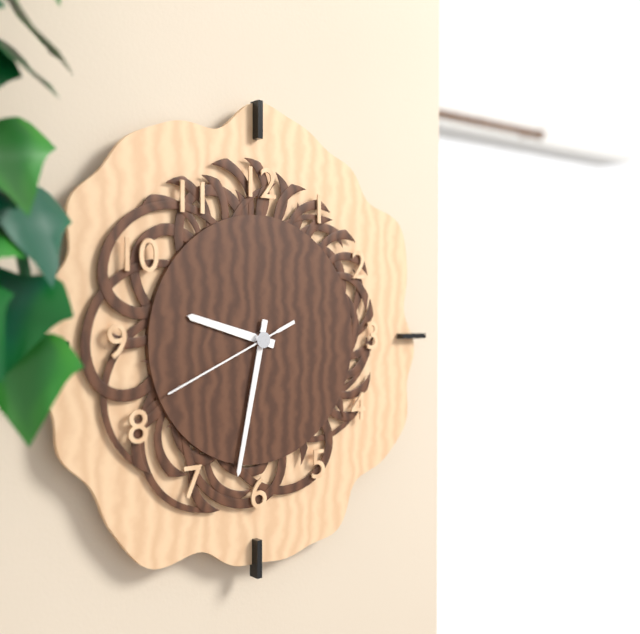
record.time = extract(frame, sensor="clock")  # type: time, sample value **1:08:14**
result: **9:32:41**
